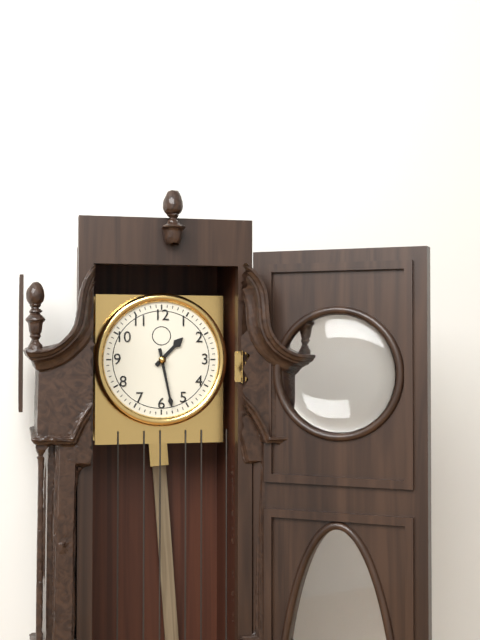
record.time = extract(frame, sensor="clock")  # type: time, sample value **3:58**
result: **1:28**
